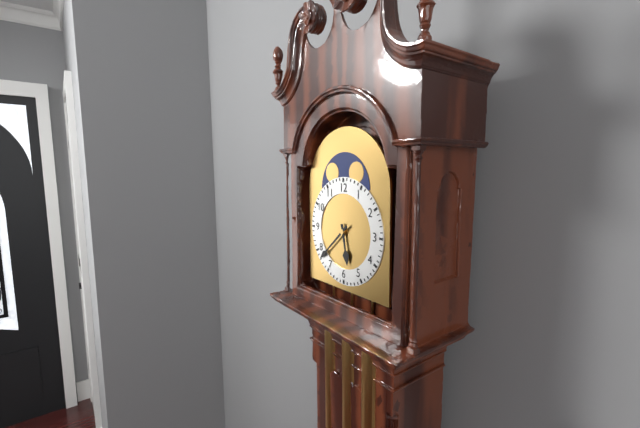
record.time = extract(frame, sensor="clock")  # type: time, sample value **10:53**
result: **5:38**
